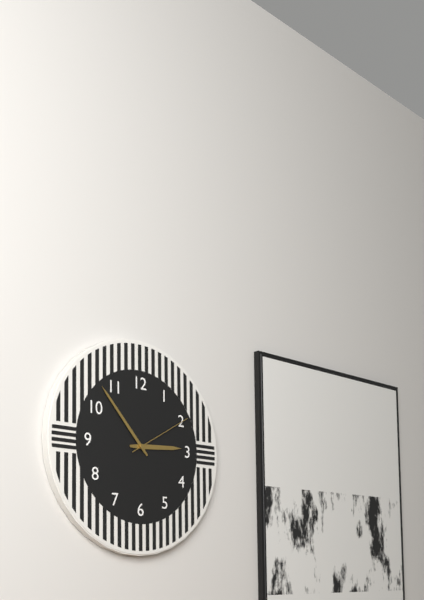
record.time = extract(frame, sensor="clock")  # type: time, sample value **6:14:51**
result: **2:53:10**
